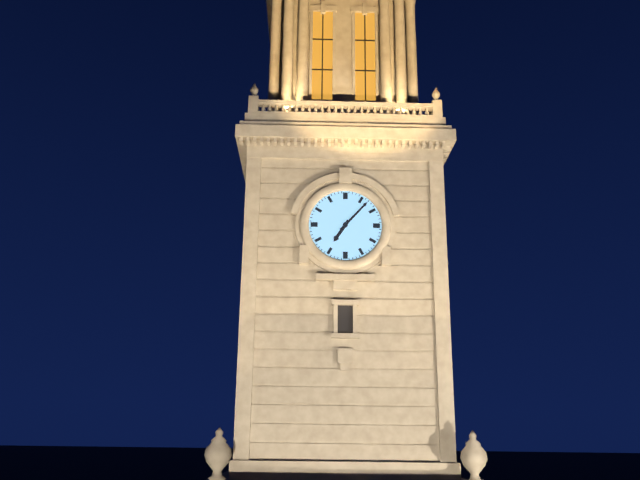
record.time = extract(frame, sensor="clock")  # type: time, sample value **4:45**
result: **7:07**
